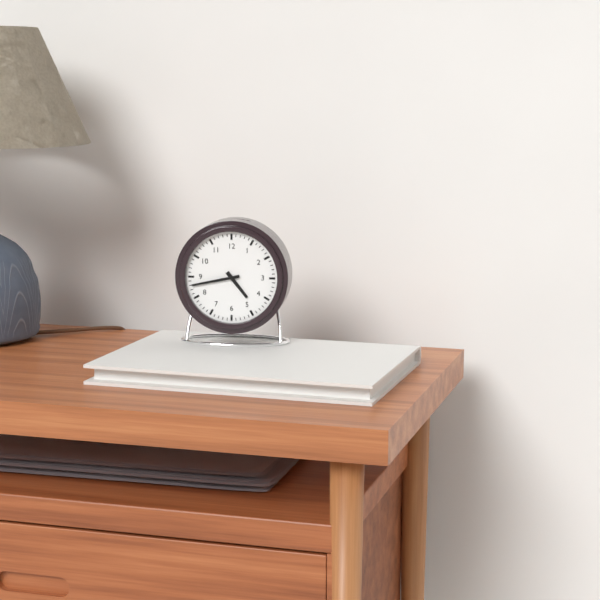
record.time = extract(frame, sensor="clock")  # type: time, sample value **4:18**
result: **4:43**
